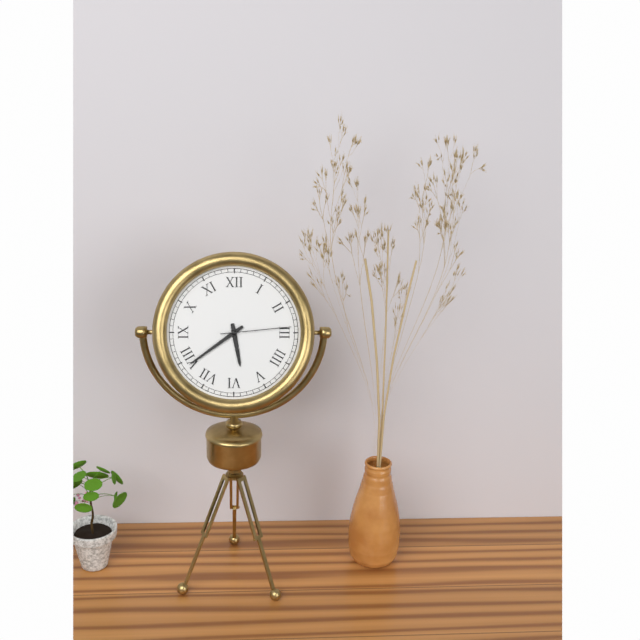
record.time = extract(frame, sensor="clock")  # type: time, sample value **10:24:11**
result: **5:39:14**
